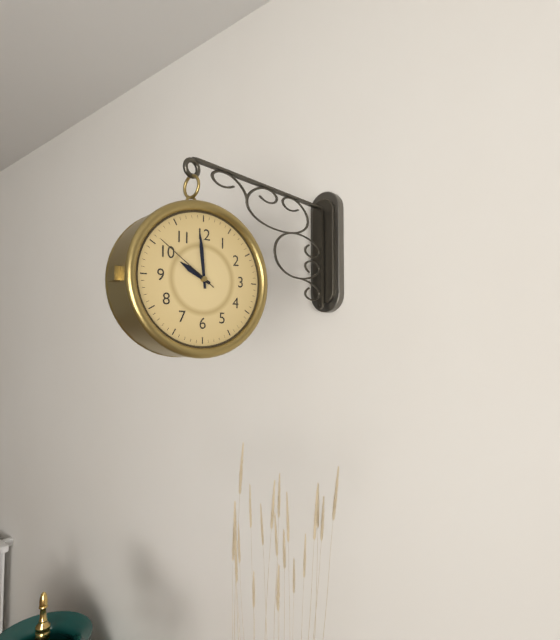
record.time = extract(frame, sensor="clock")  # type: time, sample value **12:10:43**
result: **9:59:51**
